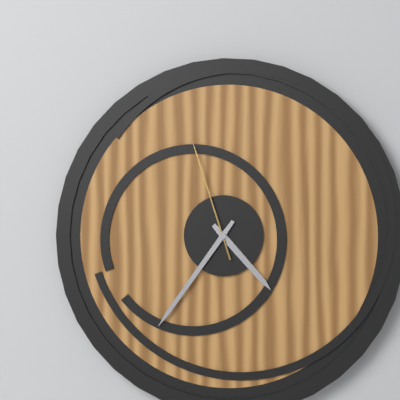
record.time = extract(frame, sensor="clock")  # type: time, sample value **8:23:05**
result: **4:36:57**
